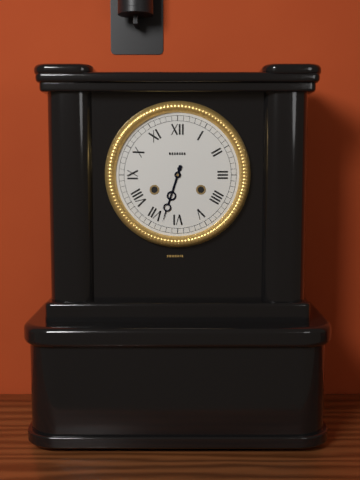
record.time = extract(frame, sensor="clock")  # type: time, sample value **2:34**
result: **6:33**
